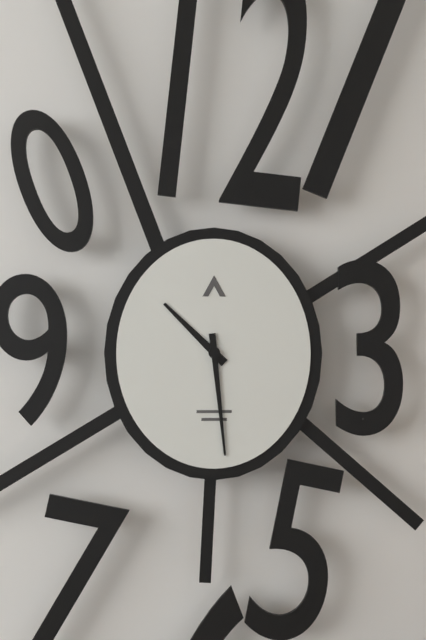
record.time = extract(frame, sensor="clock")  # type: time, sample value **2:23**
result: **10:29**
